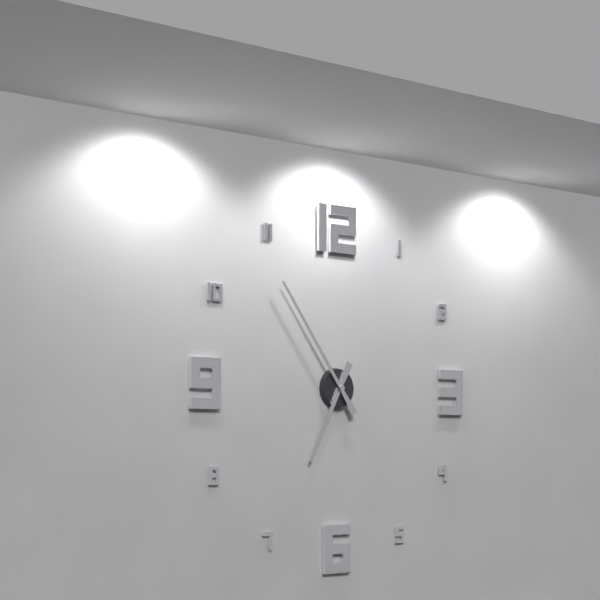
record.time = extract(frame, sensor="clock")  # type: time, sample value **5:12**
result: **6:54**
